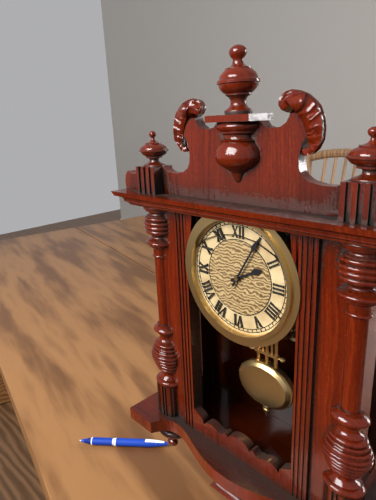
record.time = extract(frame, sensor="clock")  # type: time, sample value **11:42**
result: **2:05**
